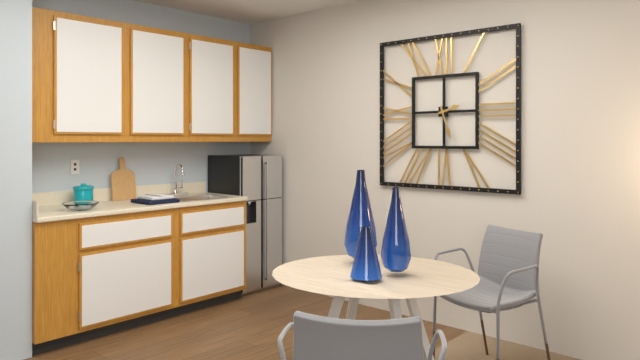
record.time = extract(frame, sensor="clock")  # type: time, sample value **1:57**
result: **2:27**
